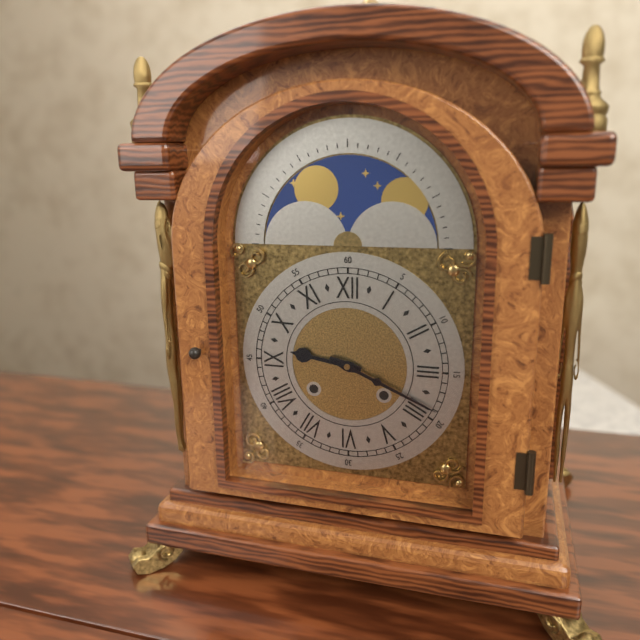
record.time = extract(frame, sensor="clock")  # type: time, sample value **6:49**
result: **9:19**
